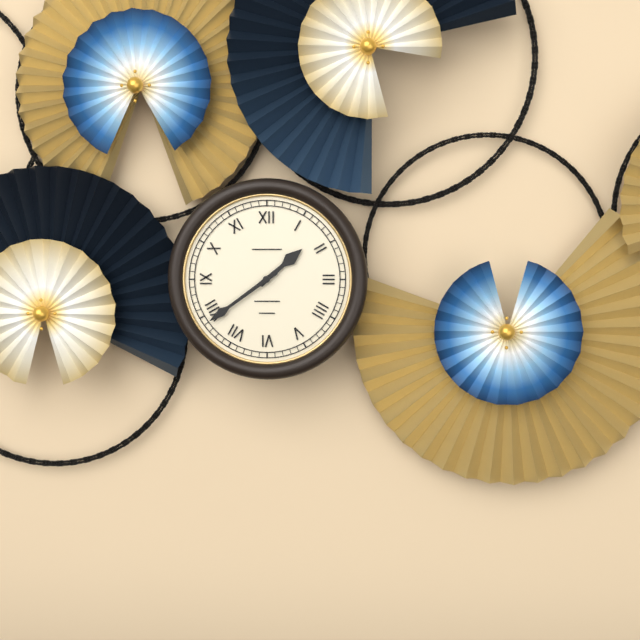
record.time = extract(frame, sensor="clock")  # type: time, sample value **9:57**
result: **1:39**
